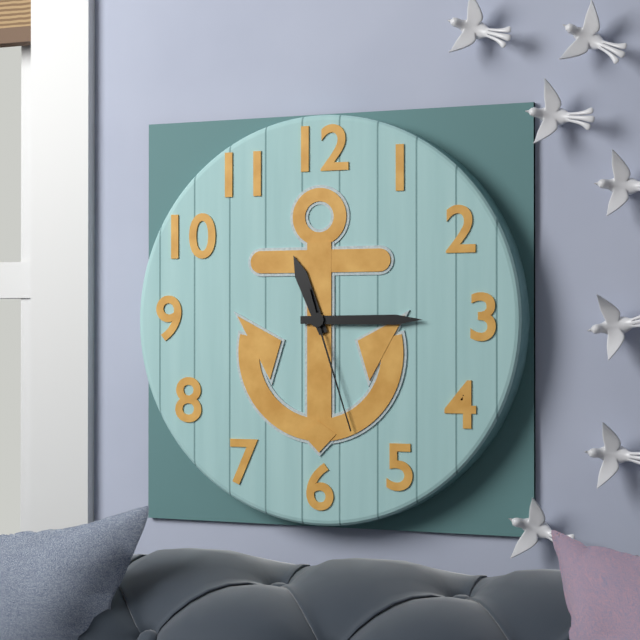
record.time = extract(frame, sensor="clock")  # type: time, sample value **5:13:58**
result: **11:15:27**
